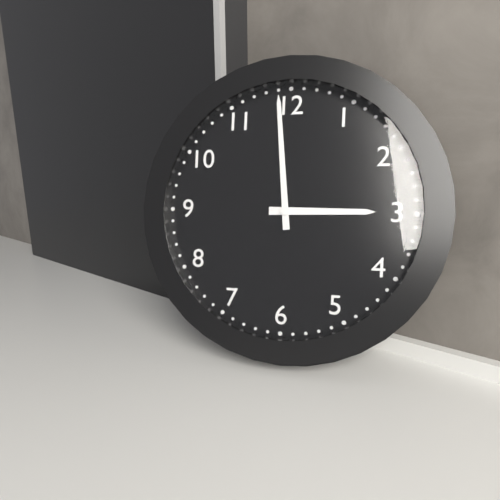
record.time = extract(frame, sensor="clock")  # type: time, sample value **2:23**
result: **2:59**
